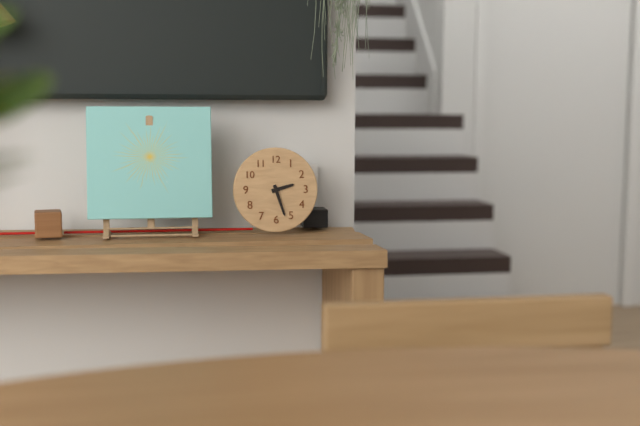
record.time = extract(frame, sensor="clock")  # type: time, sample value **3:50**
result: **2:27**
